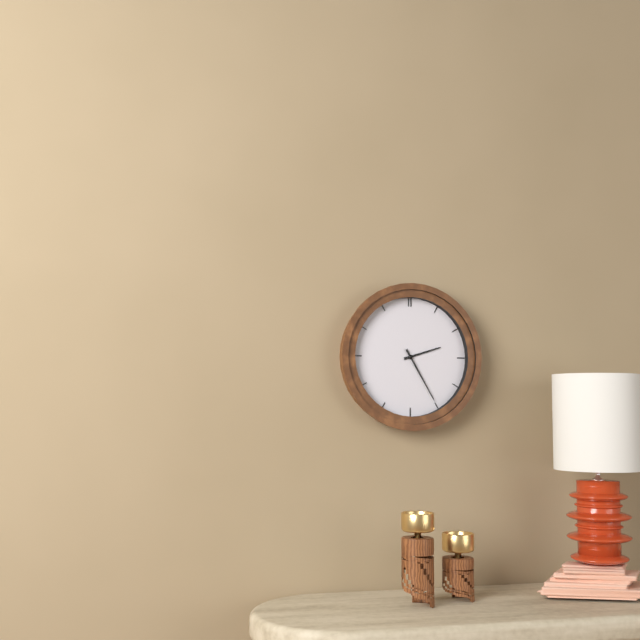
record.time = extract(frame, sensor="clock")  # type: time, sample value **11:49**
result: **2:25**
